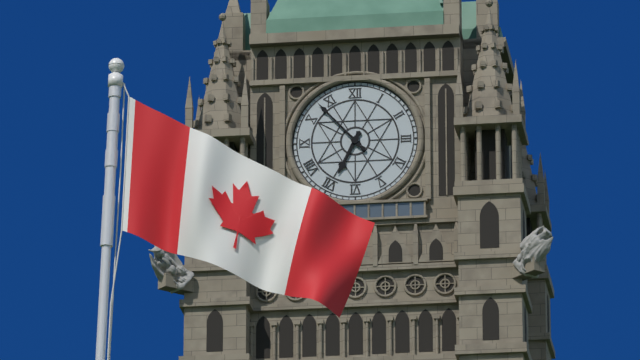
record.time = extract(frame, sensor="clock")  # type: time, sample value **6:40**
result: **6:53**
